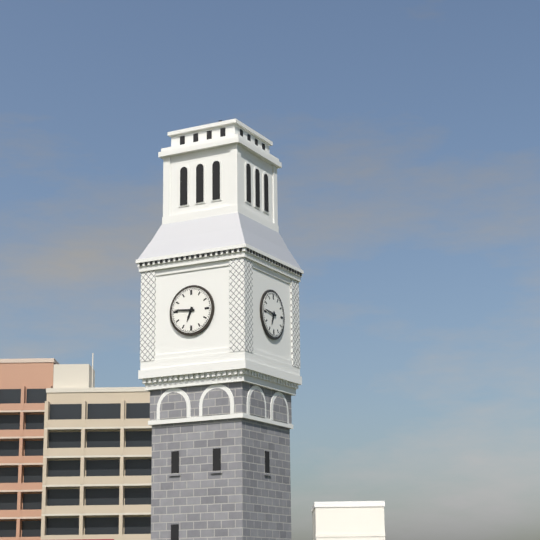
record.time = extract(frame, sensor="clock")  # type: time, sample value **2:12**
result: **6:46**
